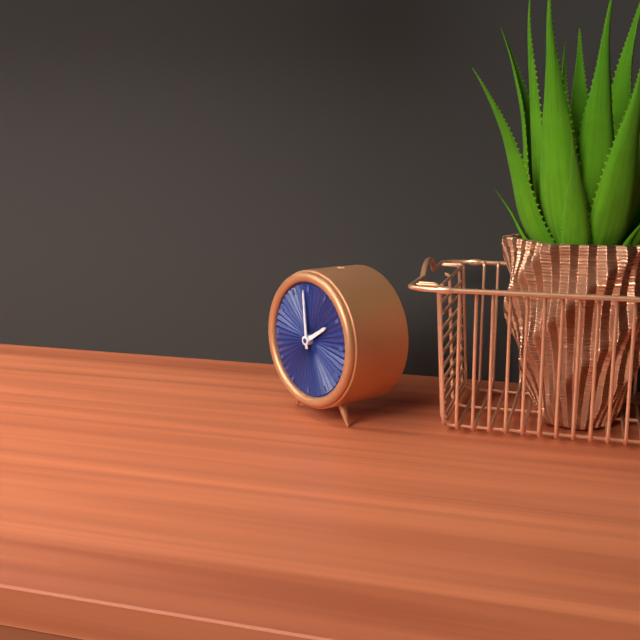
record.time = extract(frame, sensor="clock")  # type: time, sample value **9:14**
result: **1:59**
